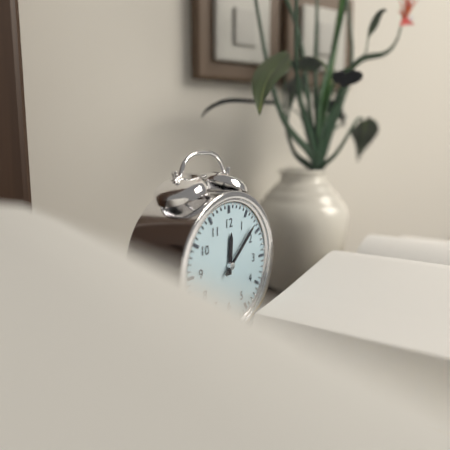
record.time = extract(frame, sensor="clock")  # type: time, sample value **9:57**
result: **12:08**
